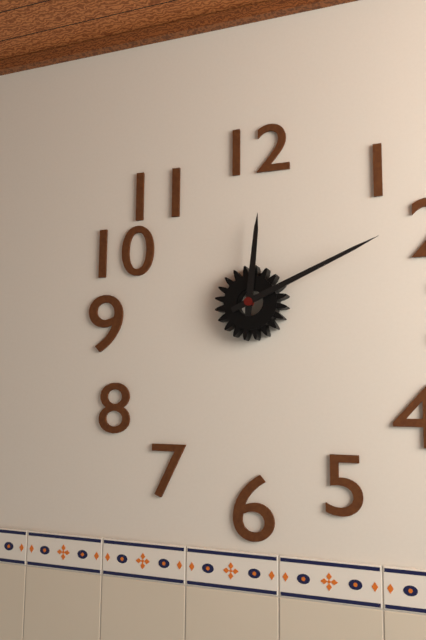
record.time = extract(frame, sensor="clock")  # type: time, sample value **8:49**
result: **12:11**
